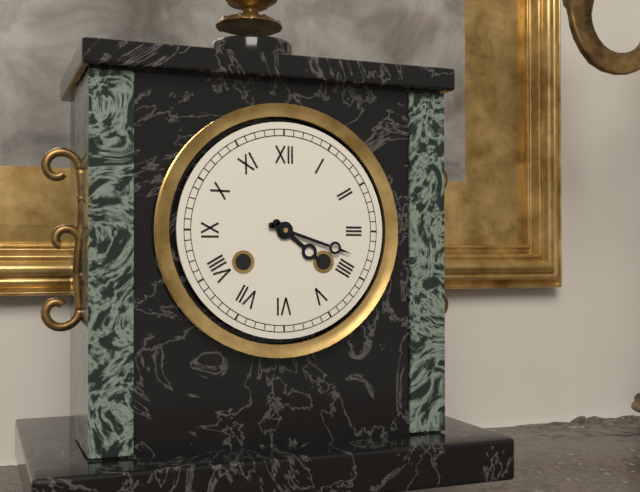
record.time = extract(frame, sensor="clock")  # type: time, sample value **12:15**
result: **4:18**
